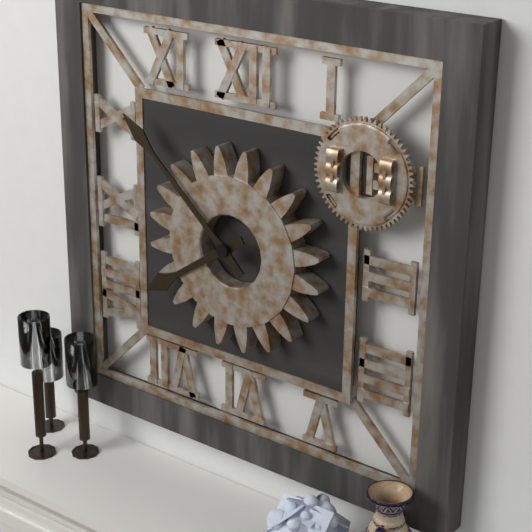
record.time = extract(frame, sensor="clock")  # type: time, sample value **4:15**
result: **7:52**
